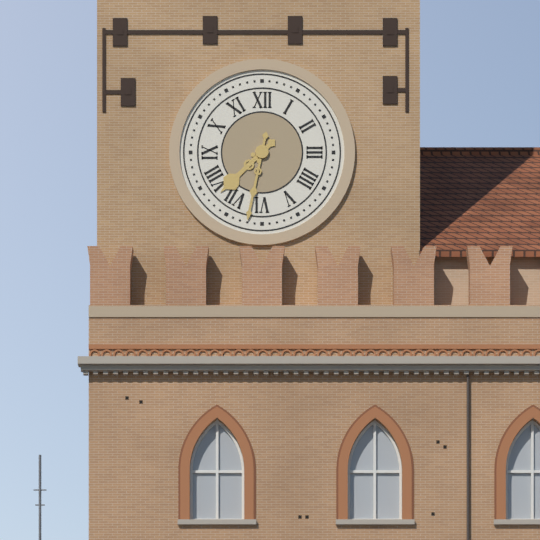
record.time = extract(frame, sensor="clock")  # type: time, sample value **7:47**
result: **7:32**
